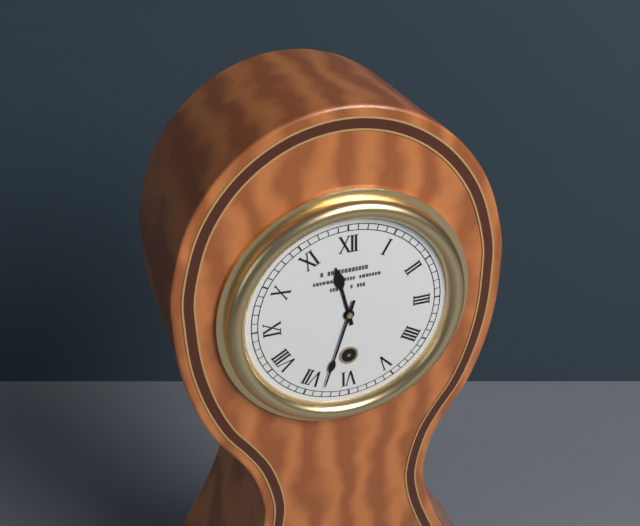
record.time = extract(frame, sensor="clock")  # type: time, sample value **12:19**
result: **11:33**
